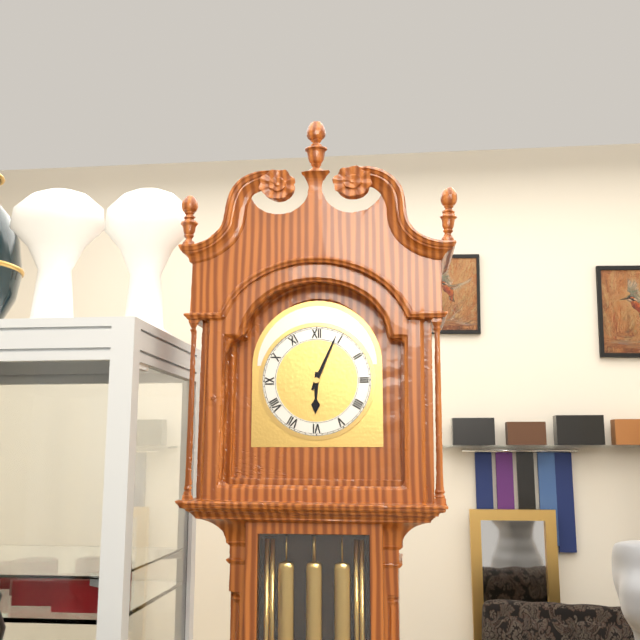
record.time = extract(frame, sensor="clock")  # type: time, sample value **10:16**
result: **6:04**
